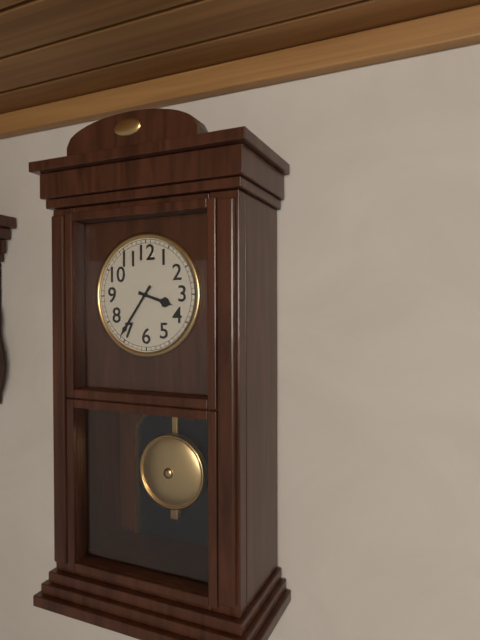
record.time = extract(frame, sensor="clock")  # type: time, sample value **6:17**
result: **3:36**
